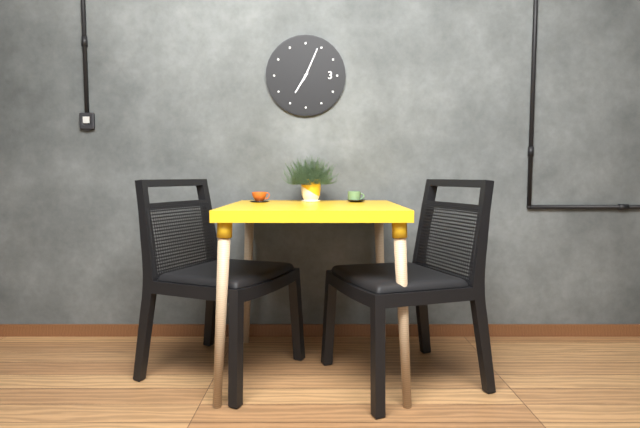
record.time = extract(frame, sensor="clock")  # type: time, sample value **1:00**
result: **7:04**
